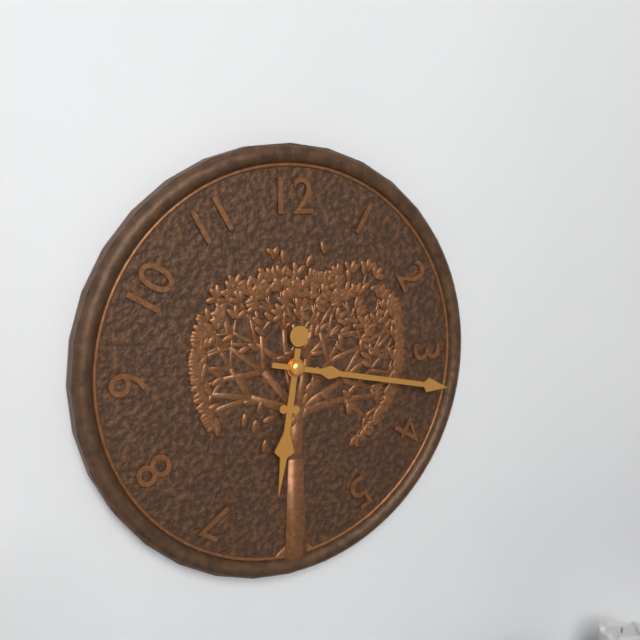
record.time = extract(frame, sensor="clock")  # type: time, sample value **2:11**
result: **6:17**
